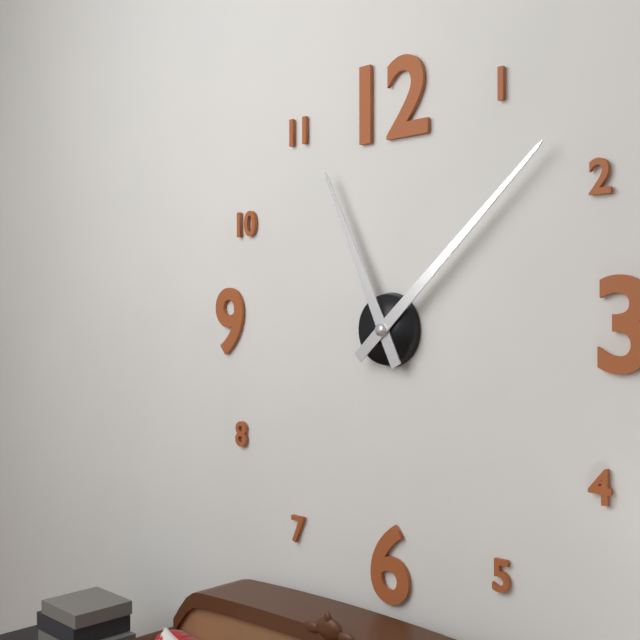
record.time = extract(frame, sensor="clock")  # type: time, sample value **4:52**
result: **11:08**
